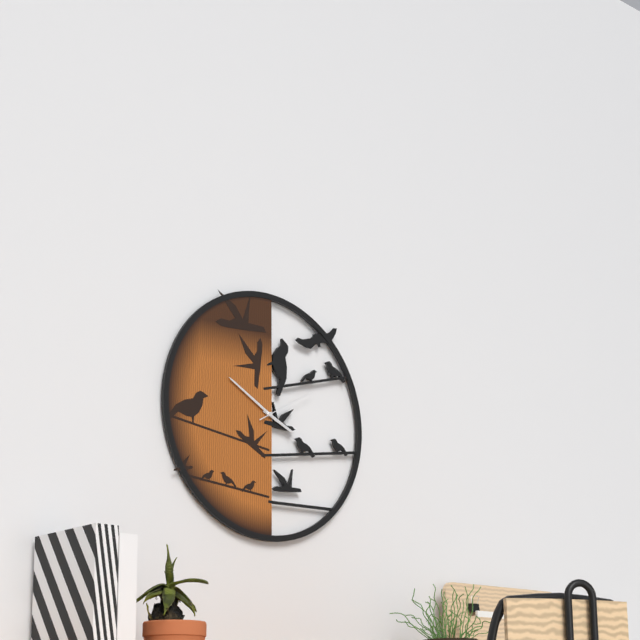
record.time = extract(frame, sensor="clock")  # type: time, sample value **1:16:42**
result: **3:50:10**
